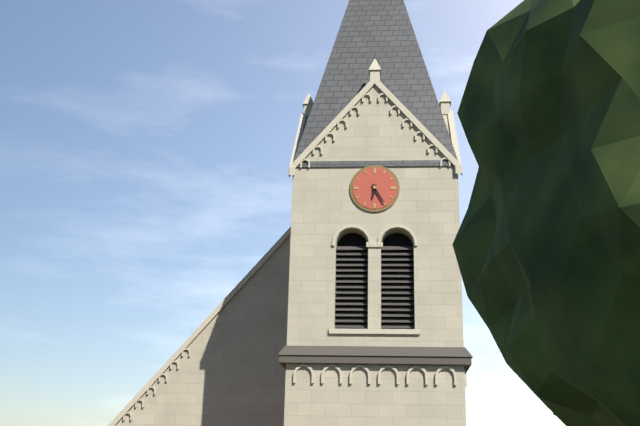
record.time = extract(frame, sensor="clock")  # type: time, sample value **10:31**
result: **6:25**
